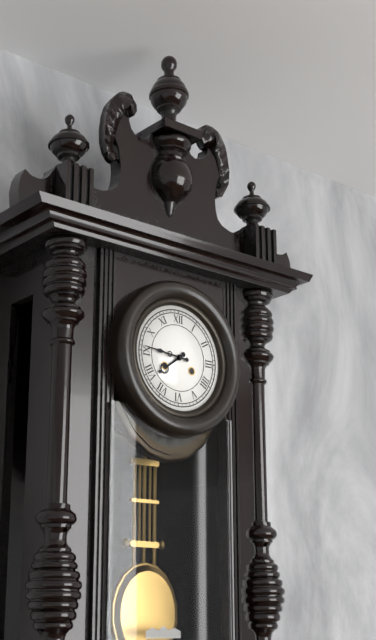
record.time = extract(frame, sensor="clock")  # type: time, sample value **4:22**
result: **7:46**
